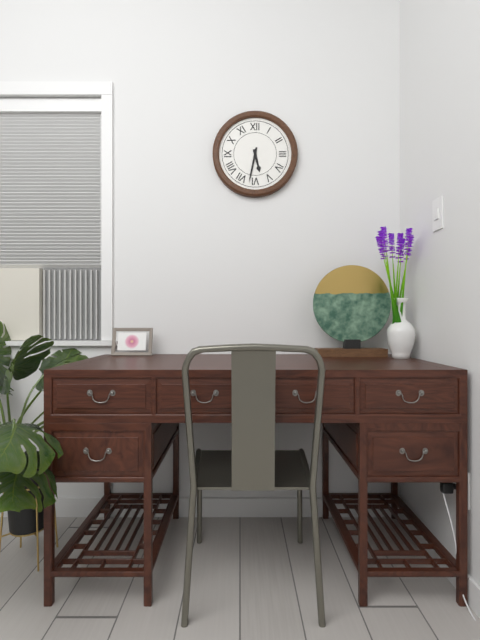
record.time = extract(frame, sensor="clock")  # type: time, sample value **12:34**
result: **5:32**
